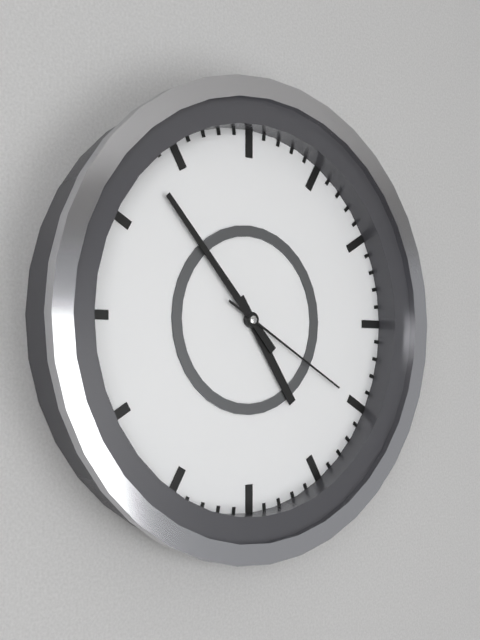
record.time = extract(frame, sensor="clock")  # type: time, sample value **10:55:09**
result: **4:53:20**
